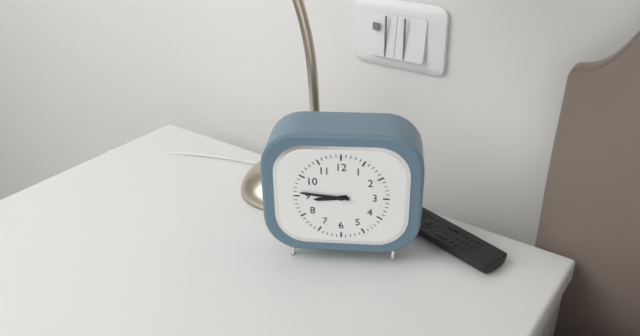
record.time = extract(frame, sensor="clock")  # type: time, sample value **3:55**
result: **8:46**
